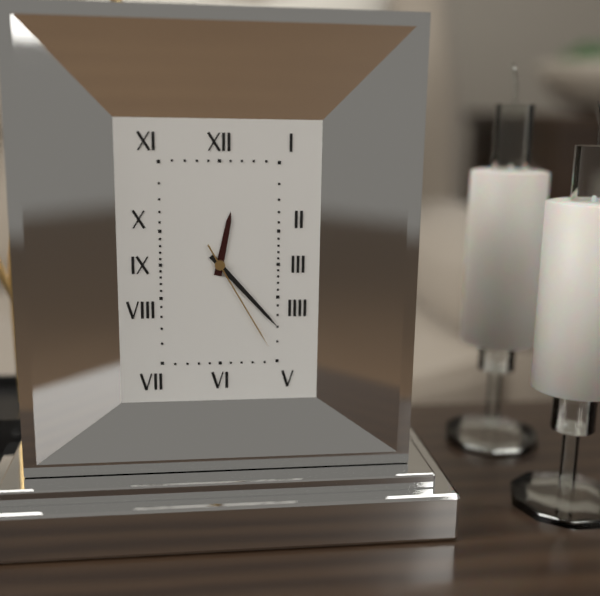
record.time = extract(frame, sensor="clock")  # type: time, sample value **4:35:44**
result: **12:23:25**
